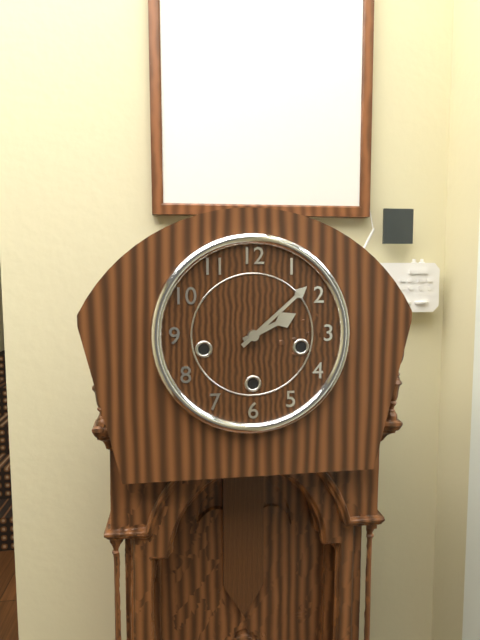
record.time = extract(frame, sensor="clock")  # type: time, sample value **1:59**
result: **2:08**
